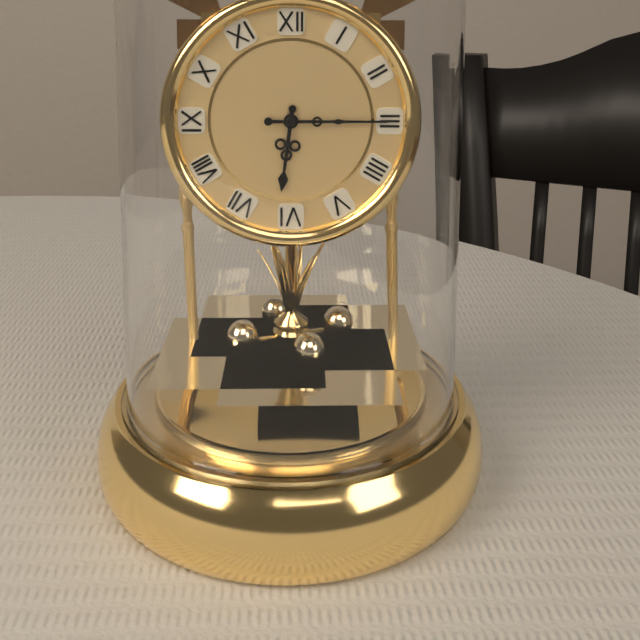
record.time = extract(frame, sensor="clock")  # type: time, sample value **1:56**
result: **6:15**
